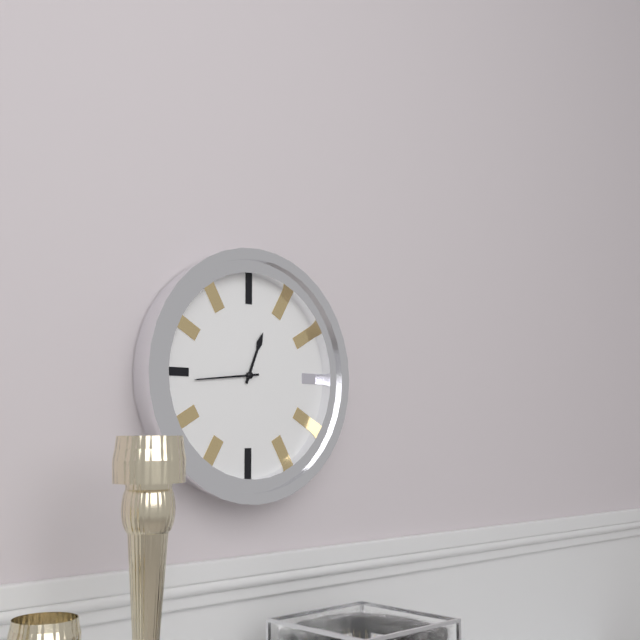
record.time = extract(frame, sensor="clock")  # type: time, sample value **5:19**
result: **12:44**
